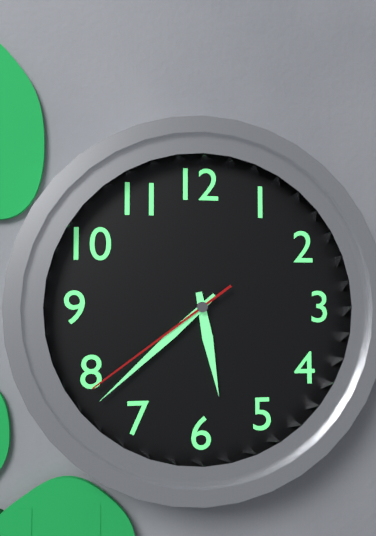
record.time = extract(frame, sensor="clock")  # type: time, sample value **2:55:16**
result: **5:38:39**
